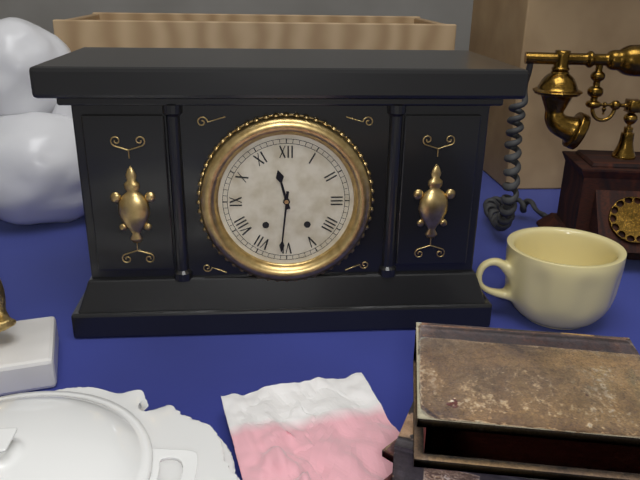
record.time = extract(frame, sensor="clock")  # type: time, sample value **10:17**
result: **11:31**
